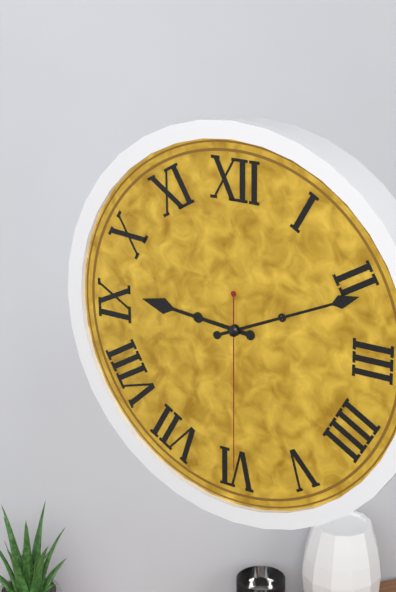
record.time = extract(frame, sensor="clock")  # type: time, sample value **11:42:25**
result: **9:11:30**
